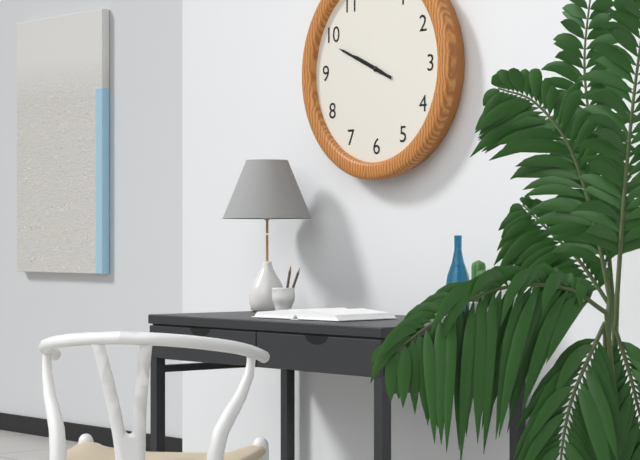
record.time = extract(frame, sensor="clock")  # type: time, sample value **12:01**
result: **9:49**
